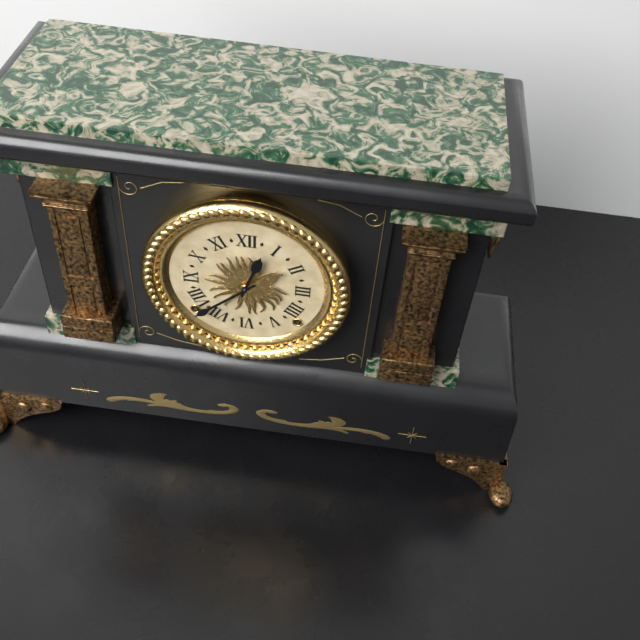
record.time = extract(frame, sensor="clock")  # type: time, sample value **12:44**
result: **12:38**
